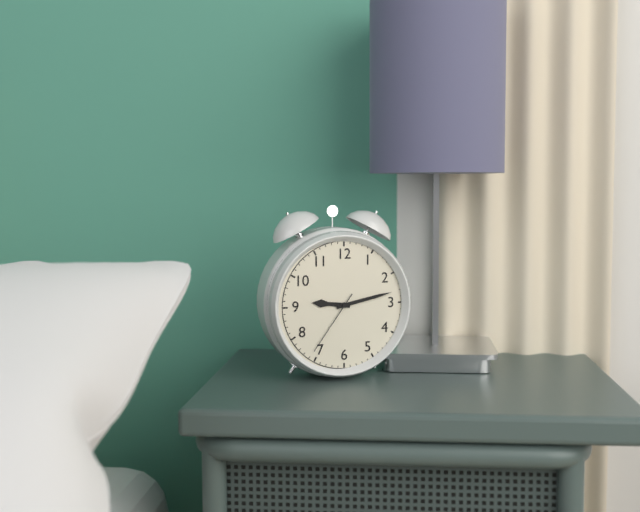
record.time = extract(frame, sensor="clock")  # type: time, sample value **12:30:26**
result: **9:13:36**
